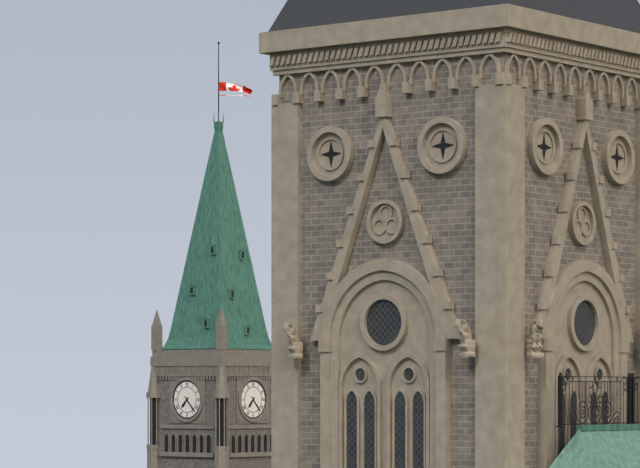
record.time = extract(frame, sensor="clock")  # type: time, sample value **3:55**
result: **7:23**
